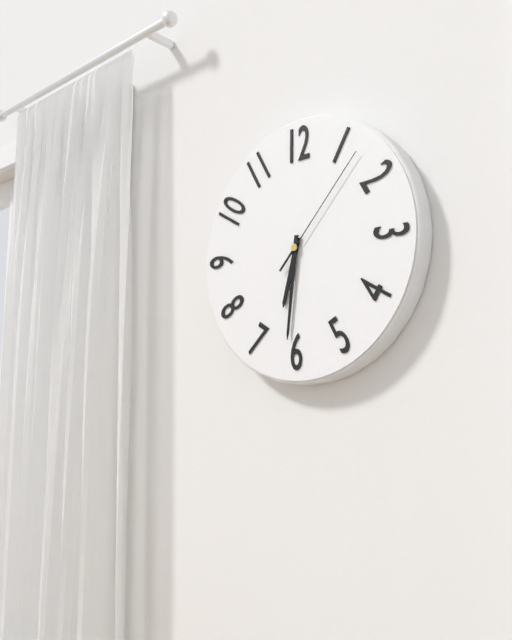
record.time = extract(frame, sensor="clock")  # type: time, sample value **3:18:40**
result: **6:31:07**
